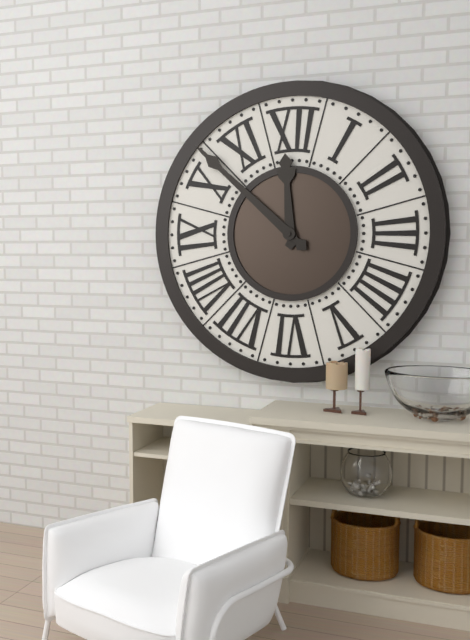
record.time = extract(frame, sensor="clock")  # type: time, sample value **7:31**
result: **11:52**
